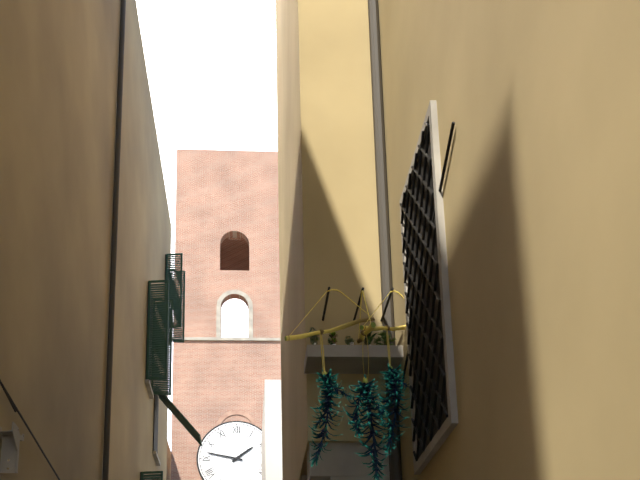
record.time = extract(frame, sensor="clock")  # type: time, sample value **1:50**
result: **1:47**
